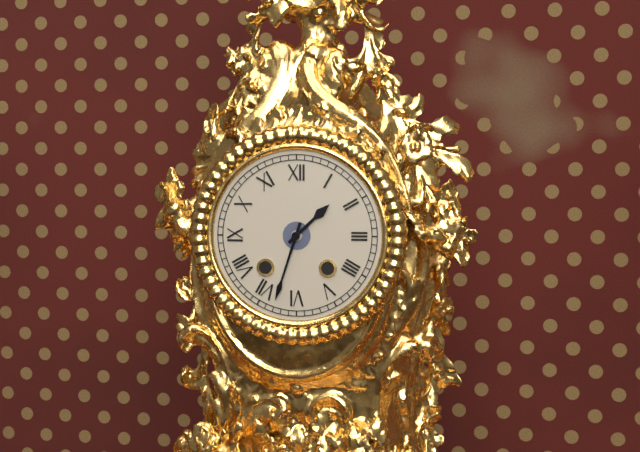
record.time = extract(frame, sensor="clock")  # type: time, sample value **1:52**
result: **1:33**
